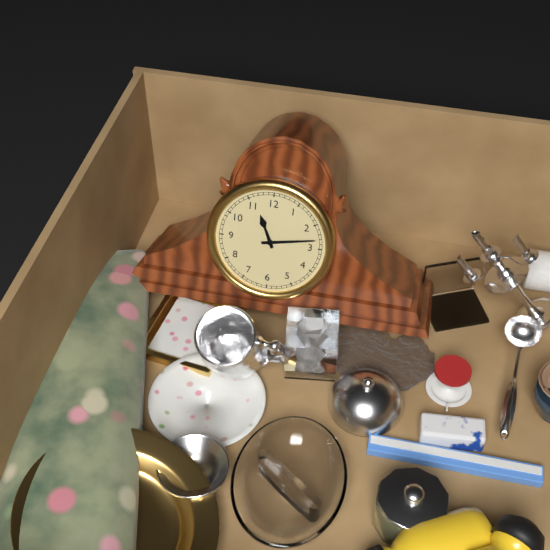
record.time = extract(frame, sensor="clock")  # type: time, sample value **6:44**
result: **11:13**
